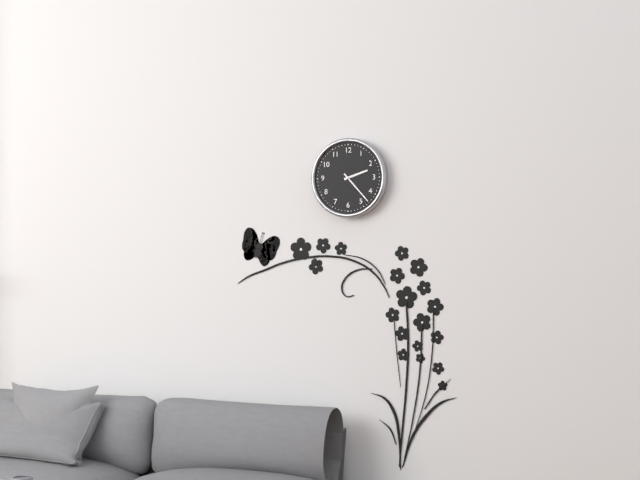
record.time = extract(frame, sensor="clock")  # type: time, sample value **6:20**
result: **2:23**
